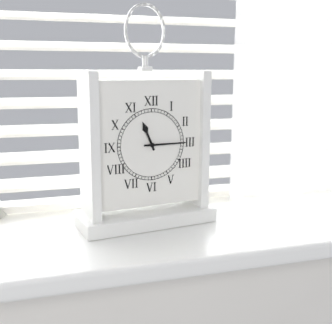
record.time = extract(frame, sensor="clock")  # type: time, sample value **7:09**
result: **11:15**
